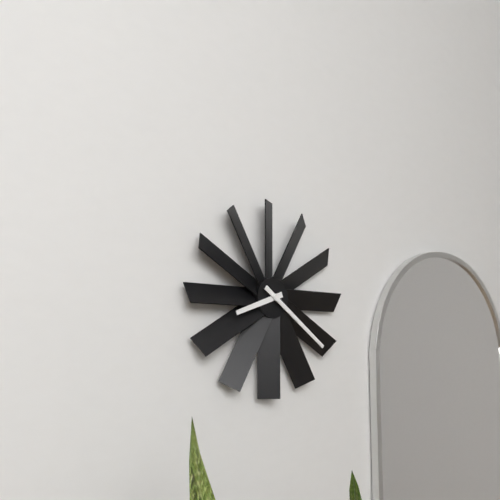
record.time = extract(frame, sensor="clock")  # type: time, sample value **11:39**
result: **8:21**
